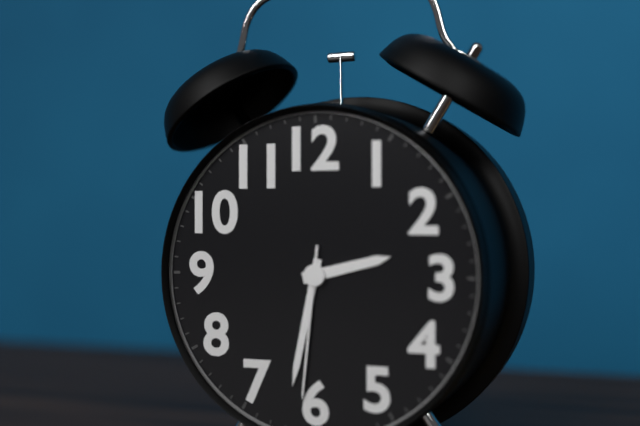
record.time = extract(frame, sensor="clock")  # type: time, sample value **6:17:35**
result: **2:32:31**
